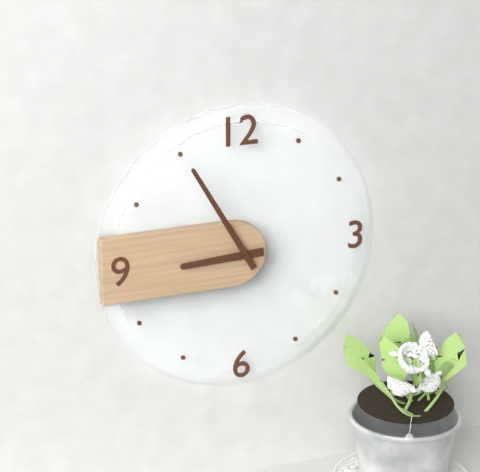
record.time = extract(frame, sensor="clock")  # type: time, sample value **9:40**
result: **8:55**
